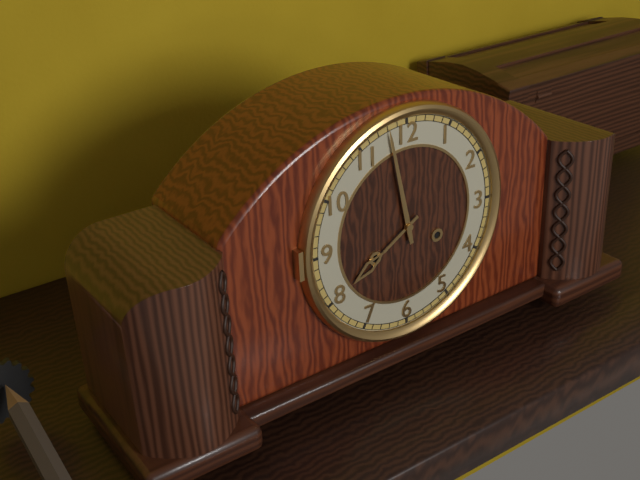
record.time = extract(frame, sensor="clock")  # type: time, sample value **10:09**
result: **7:58**
